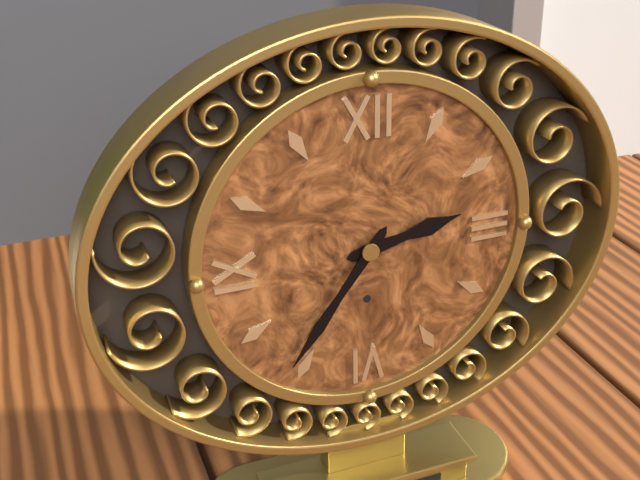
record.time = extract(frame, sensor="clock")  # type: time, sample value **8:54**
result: **2:36**
